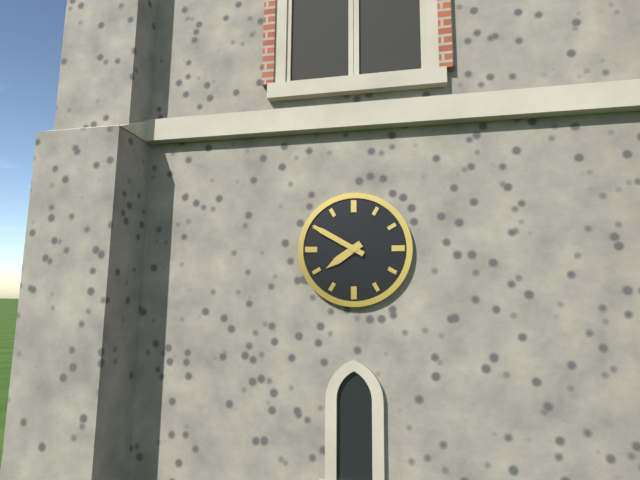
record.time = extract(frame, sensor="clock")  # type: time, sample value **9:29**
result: **7:50**
